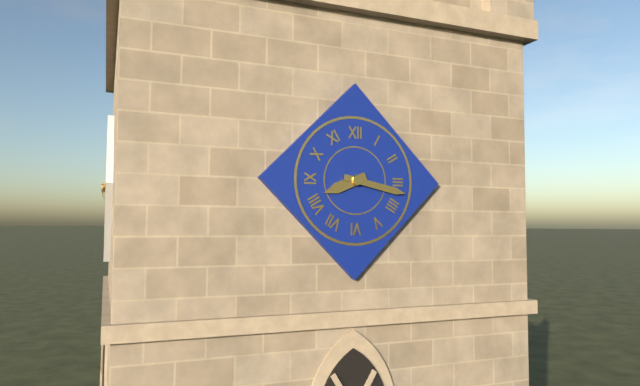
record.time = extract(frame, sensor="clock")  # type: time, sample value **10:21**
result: **8:17**
